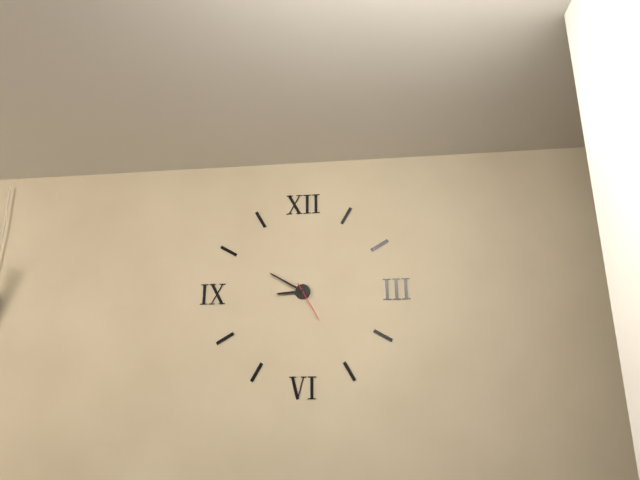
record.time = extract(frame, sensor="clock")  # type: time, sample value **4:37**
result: **8:50**
